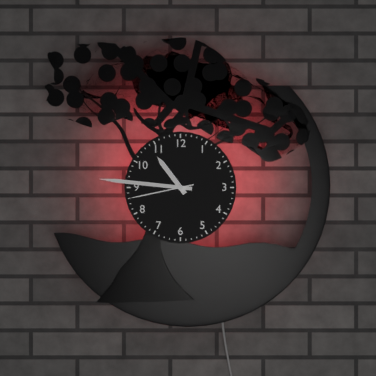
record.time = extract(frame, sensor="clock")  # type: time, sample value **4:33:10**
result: **10:46:43**
